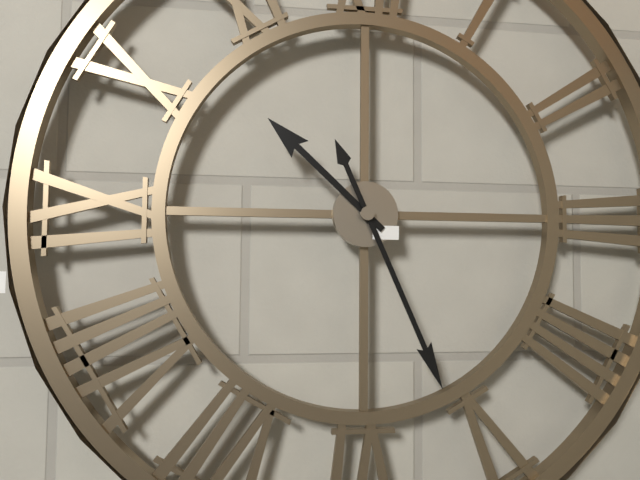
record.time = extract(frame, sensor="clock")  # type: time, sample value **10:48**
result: **10:26**
